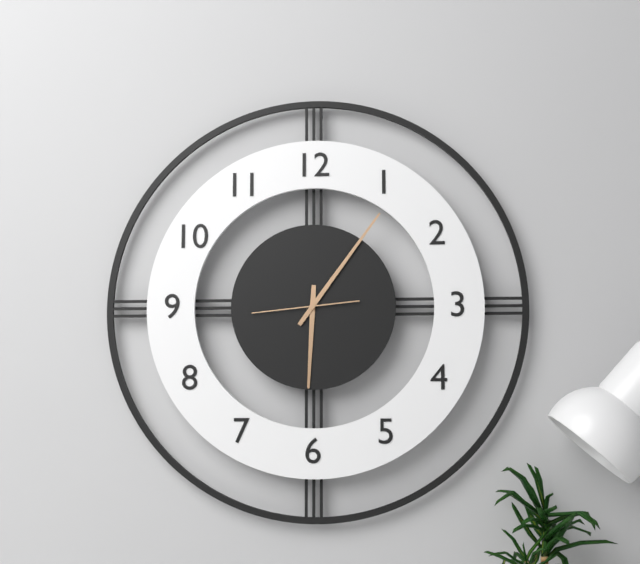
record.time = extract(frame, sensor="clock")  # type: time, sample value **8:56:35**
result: **6:06:44**
